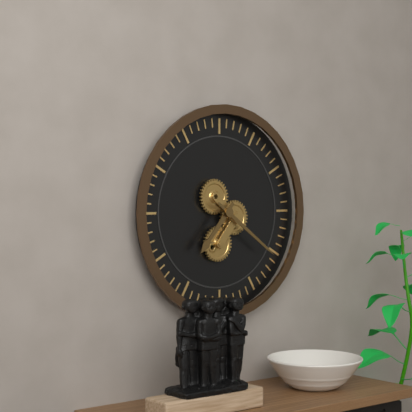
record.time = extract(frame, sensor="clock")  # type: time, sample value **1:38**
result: **7:21**
